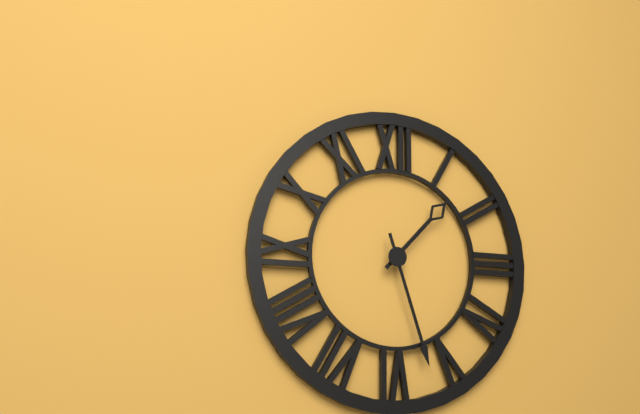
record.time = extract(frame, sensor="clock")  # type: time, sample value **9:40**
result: **1:27**
